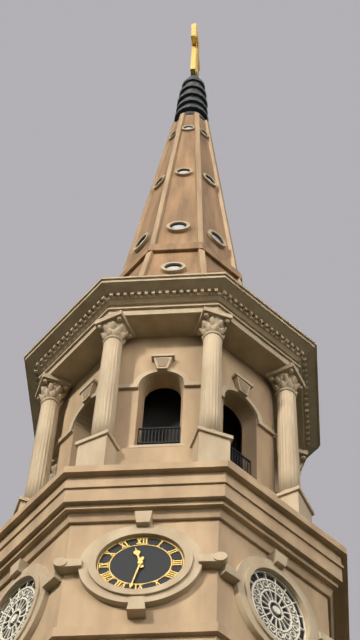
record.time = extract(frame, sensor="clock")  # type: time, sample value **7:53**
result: **11:32**
